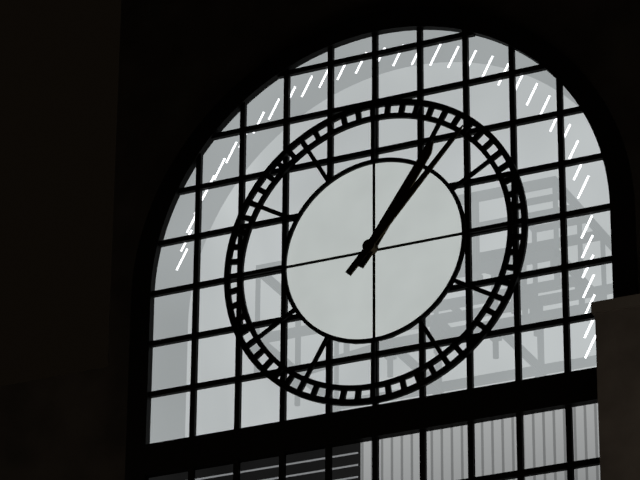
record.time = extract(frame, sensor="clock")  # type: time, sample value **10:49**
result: **1:07**
